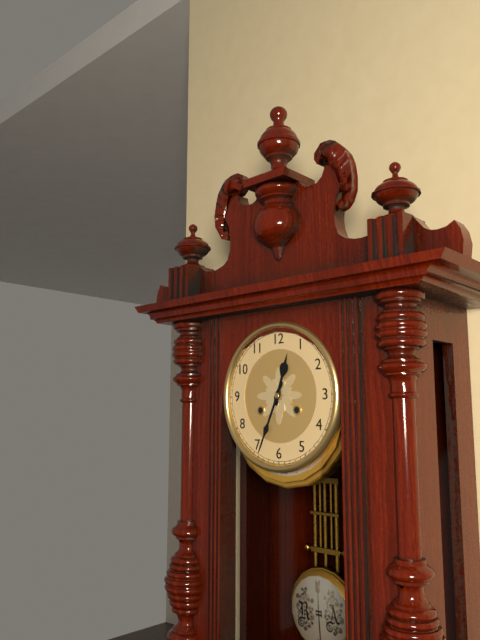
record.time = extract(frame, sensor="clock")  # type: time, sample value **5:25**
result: **12:34**
